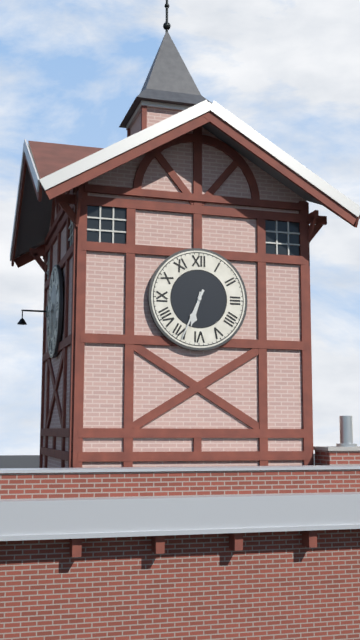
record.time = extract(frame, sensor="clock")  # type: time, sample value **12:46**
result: **6:34**
